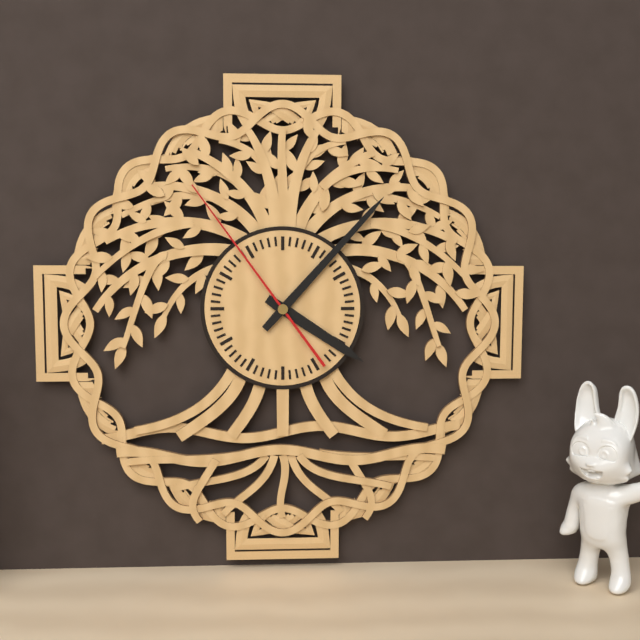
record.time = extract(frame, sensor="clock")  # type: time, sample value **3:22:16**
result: **4:07:54**
